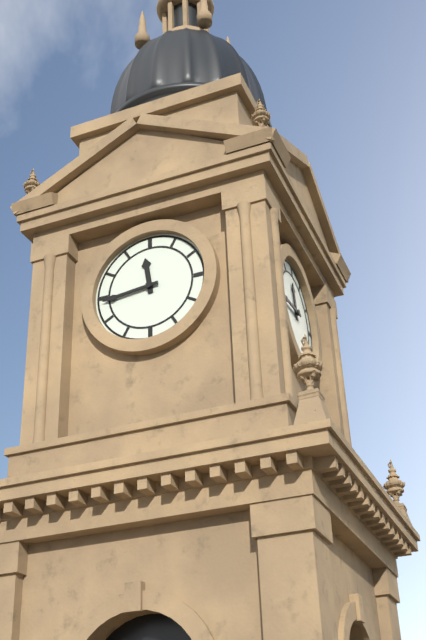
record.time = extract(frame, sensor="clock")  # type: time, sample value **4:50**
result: **11:44**
